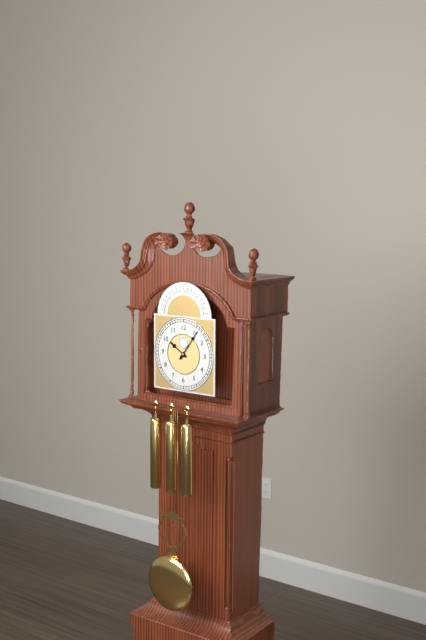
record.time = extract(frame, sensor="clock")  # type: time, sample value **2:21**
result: **10:06**
